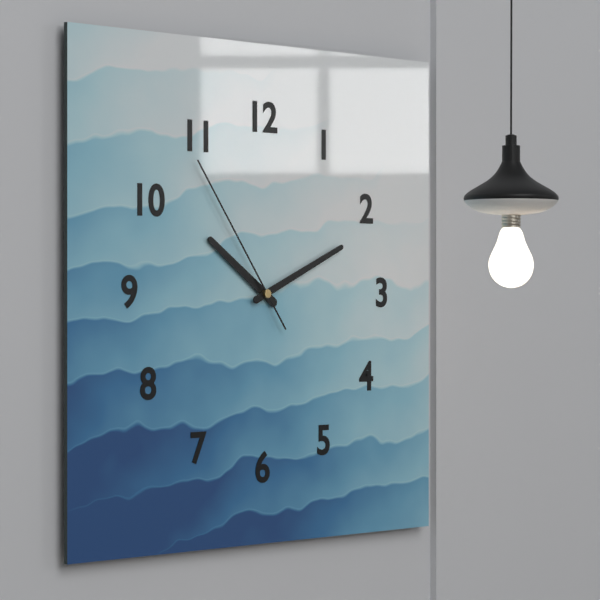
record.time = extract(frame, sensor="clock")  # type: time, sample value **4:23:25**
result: **10:11:54**
